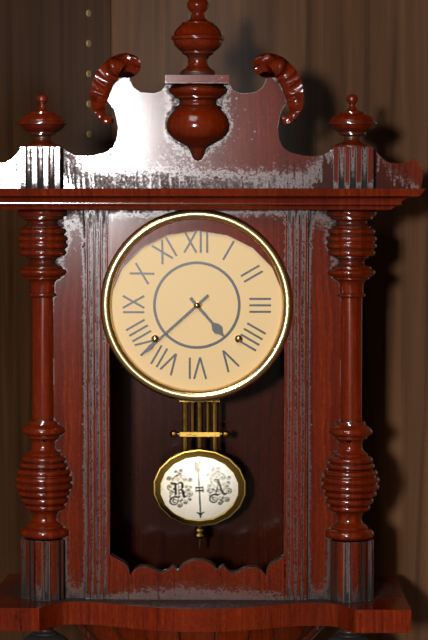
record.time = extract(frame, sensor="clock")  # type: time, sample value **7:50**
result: **4:38**
